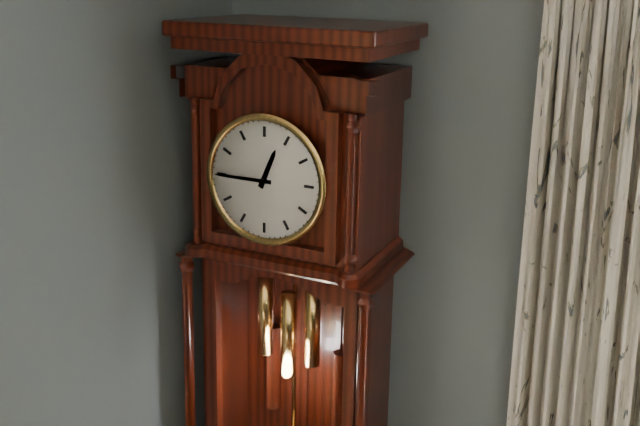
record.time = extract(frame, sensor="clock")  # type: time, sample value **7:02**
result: **12:45**
